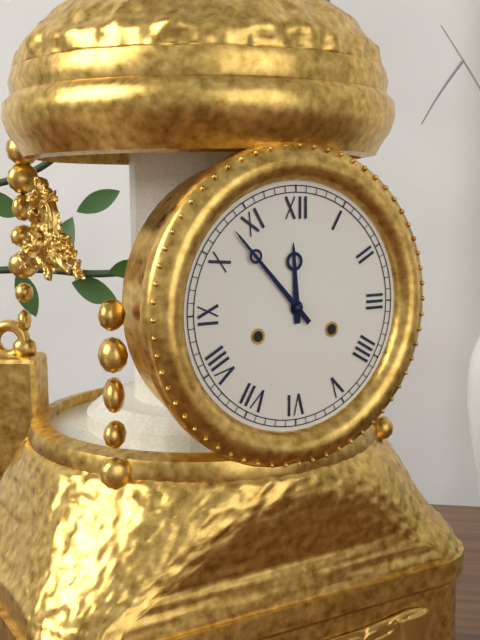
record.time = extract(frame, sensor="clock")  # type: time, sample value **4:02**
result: **11:53**
